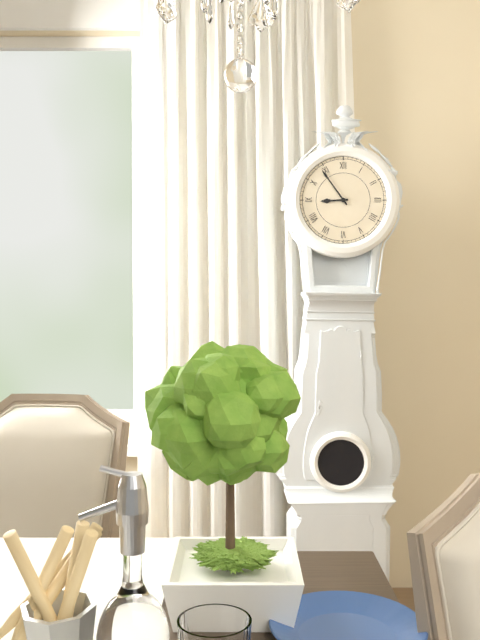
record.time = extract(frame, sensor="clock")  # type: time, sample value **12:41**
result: **8:54**
